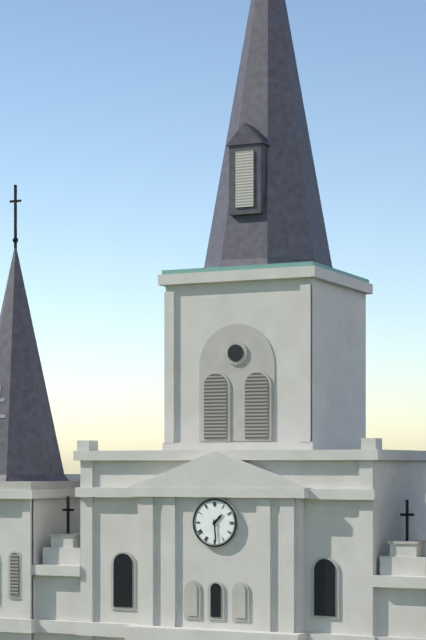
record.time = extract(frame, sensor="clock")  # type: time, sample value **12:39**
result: **1:29**
